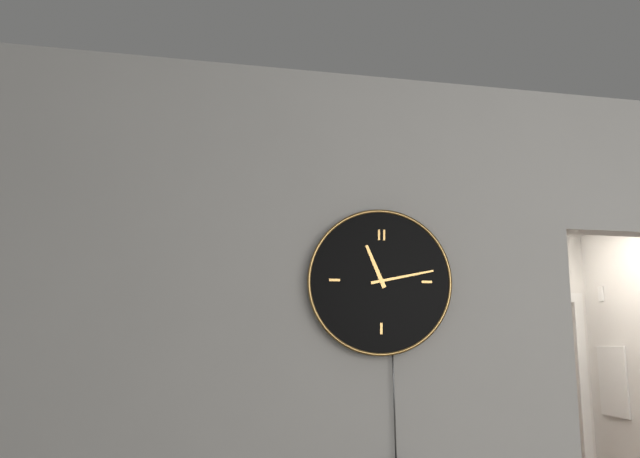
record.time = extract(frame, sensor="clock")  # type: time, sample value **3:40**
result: **11:13**
